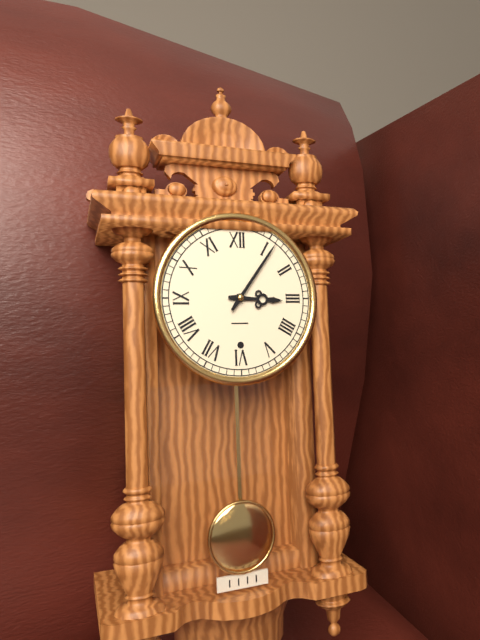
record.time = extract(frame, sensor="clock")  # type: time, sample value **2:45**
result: **3:06**
